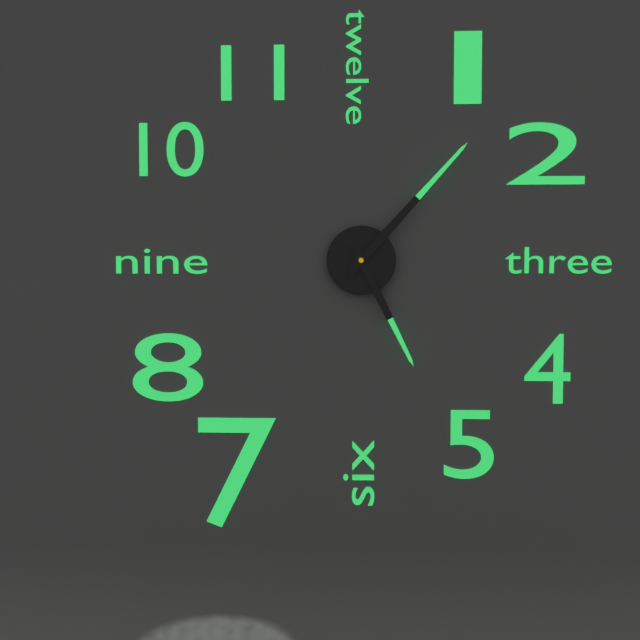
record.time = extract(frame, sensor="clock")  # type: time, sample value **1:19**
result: **5:07**
